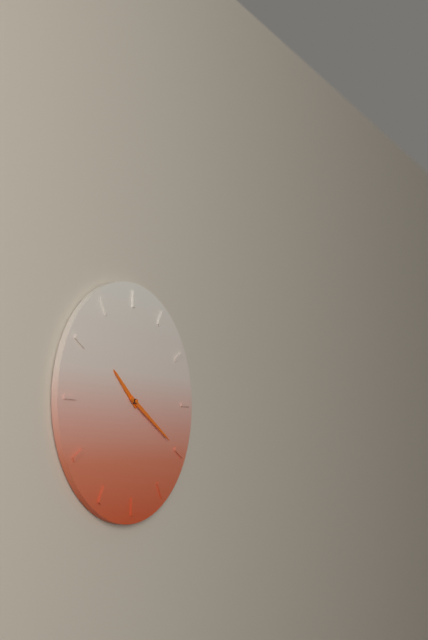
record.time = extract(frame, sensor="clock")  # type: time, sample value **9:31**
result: **10:20**
